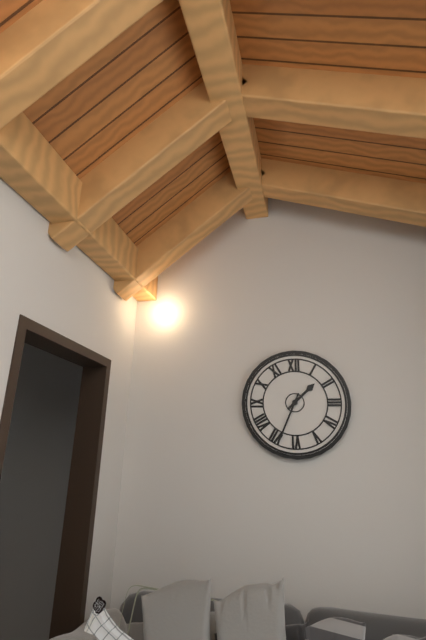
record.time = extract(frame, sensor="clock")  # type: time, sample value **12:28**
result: **1:34**
